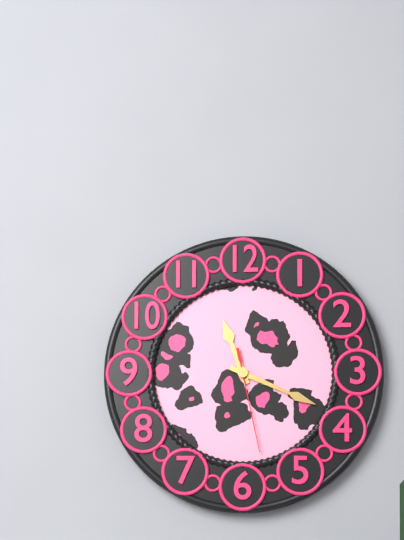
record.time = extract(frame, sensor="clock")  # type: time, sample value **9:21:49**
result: **11:19:28**
